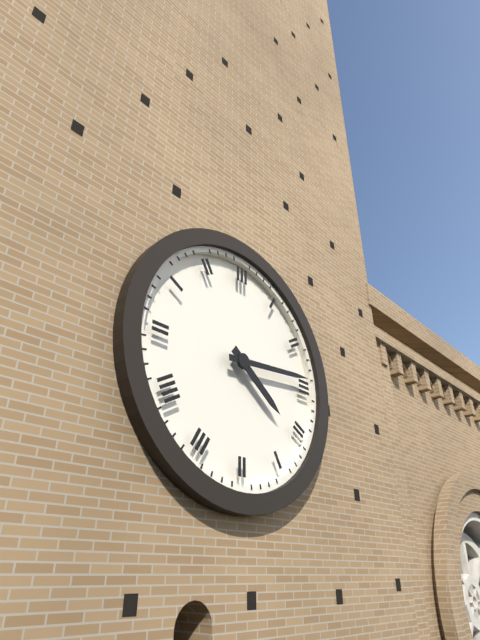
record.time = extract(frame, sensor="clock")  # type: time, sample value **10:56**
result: **4:14**
